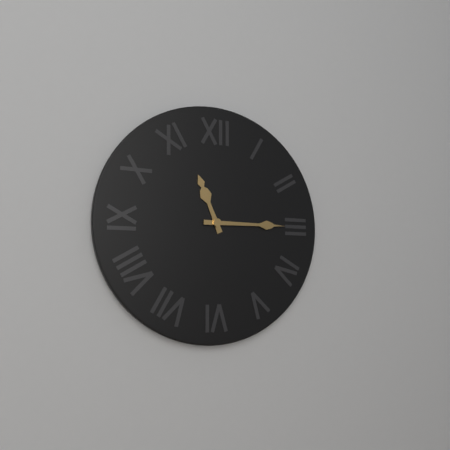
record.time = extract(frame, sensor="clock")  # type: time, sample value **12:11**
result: **11:15**
